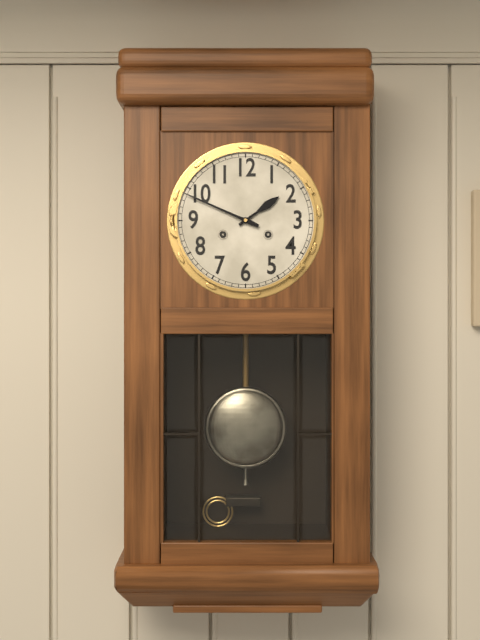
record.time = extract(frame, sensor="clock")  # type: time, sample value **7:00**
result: **1:49**
